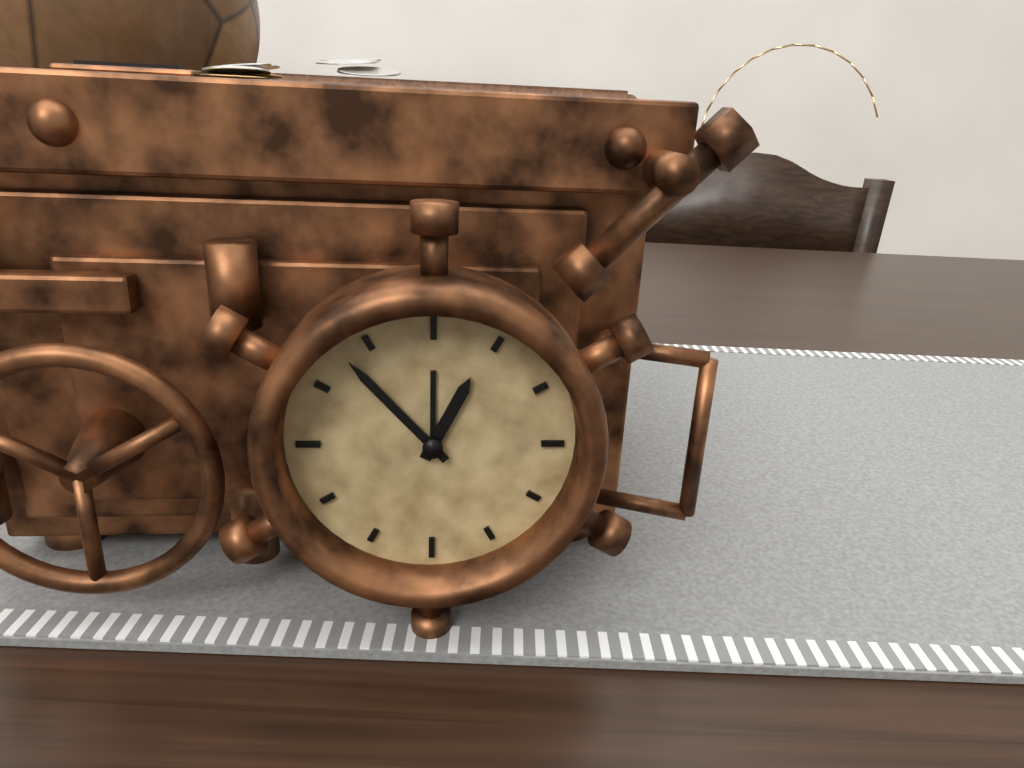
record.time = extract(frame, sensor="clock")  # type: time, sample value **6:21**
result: **12:53**
